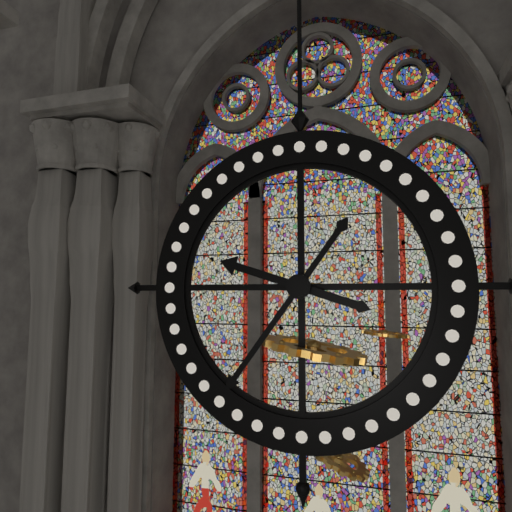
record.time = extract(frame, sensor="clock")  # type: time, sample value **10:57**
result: **9:36**
